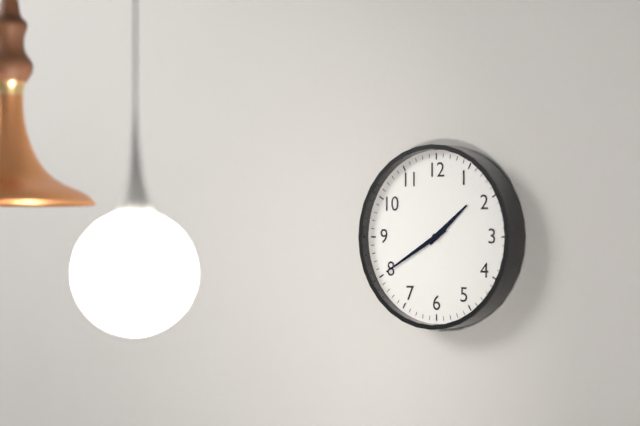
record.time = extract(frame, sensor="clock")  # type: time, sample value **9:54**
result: **1:40**
